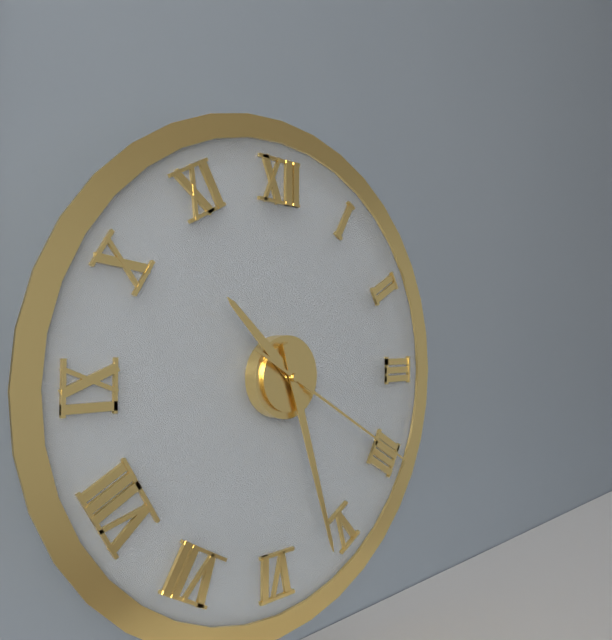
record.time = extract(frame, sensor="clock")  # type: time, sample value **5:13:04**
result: **10:27:20**
